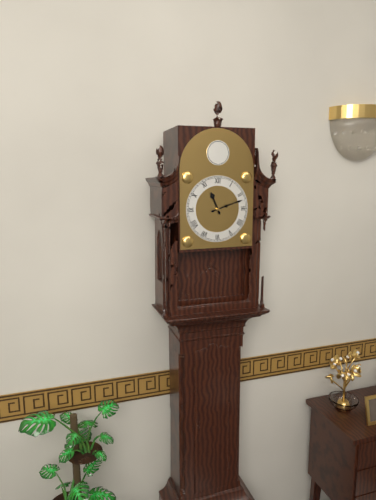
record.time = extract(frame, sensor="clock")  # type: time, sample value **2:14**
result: **11:12**
